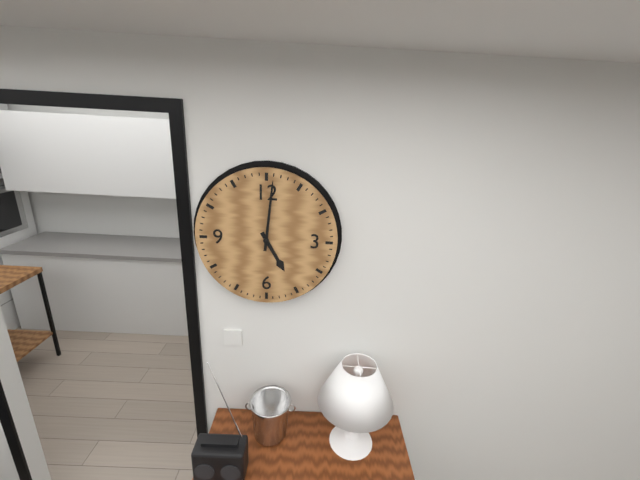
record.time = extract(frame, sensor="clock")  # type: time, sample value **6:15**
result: **5:01**
